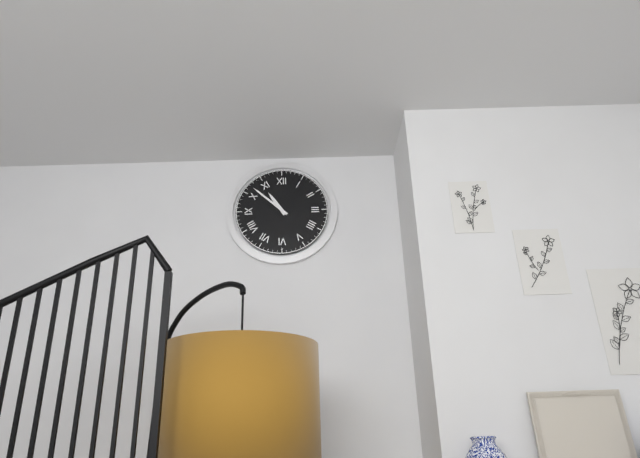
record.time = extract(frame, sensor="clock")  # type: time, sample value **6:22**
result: **10:52**
